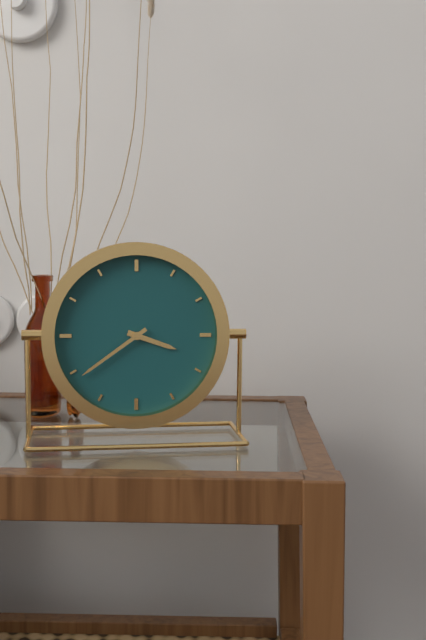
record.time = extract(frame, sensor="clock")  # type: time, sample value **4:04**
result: **3:39**
